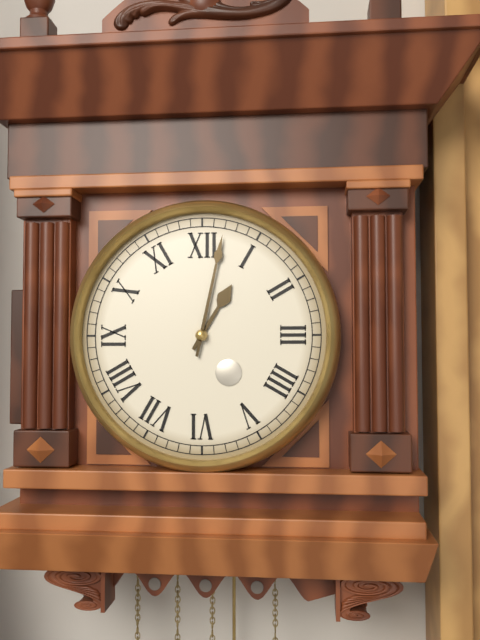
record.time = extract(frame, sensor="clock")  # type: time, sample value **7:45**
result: **1:02**
